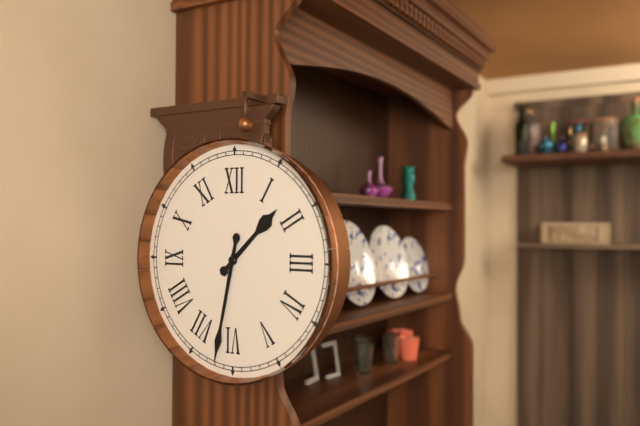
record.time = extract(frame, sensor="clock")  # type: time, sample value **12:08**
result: **1:32**
